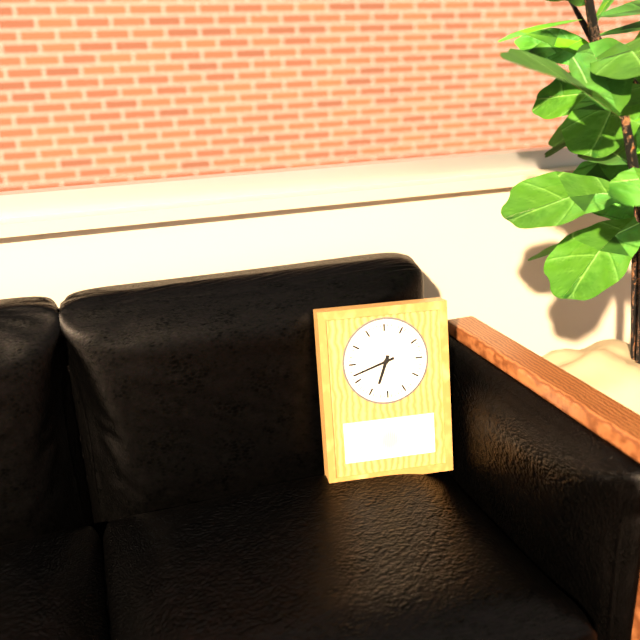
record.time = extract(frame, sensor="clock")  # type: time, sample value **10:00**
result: **6:42**
